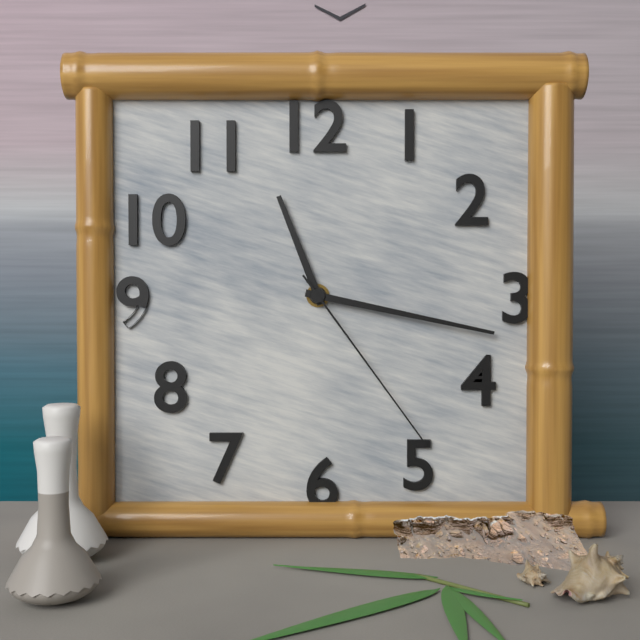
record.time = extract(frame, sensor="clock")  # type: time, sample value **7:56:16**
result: **11:17:24**
